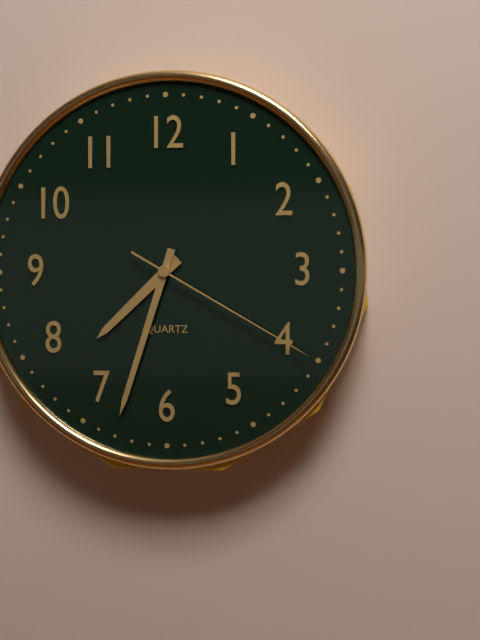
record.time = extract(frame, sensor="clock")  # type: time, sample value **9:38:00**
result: **7:33:20**
